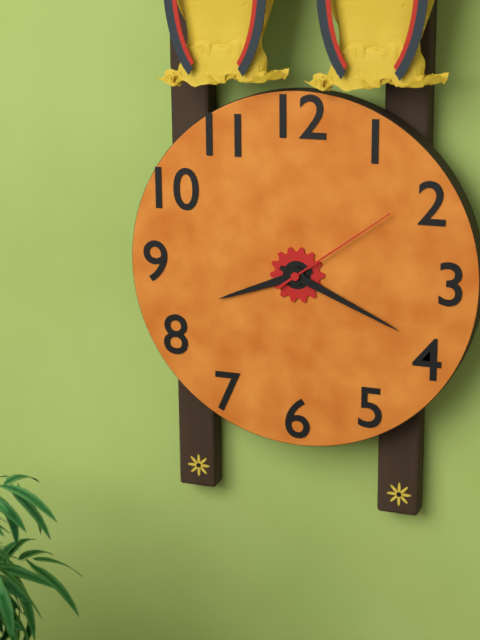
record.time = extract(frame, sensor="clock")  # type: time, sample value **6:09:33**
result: **8:19:09**
